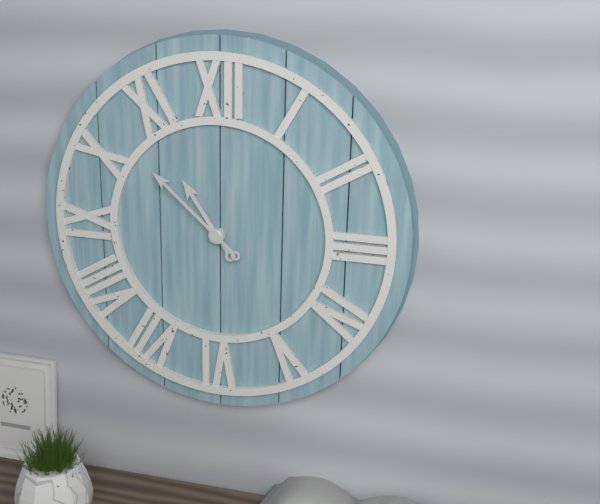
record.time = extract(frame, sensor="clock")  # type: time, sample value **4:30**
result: **10:52**
